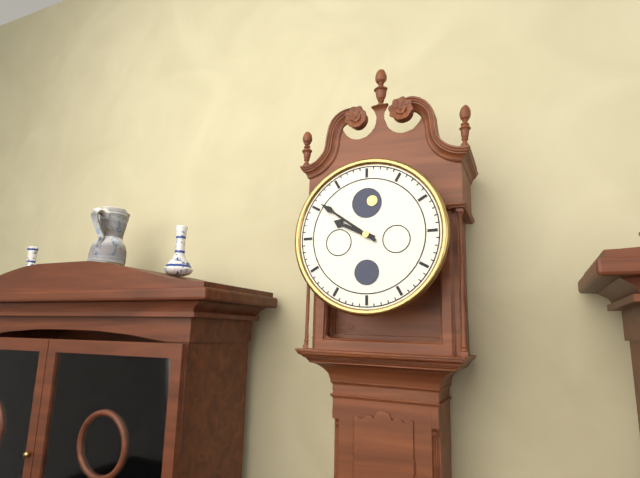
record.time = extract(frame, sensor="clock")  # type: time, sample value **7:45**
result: **9:51**
